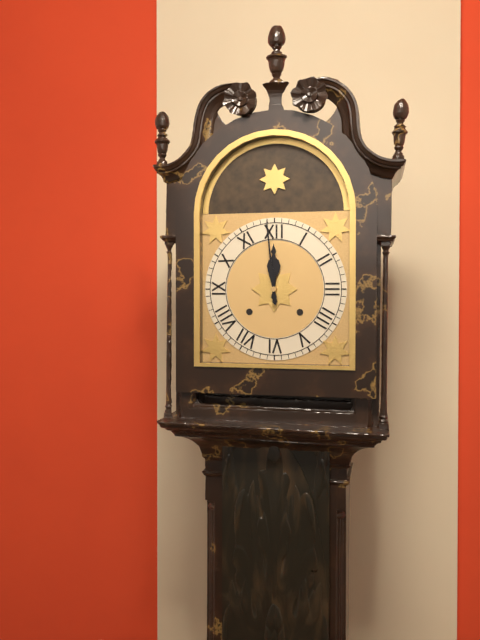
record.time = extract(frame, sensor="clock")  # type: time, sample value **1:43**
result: **11:59**
